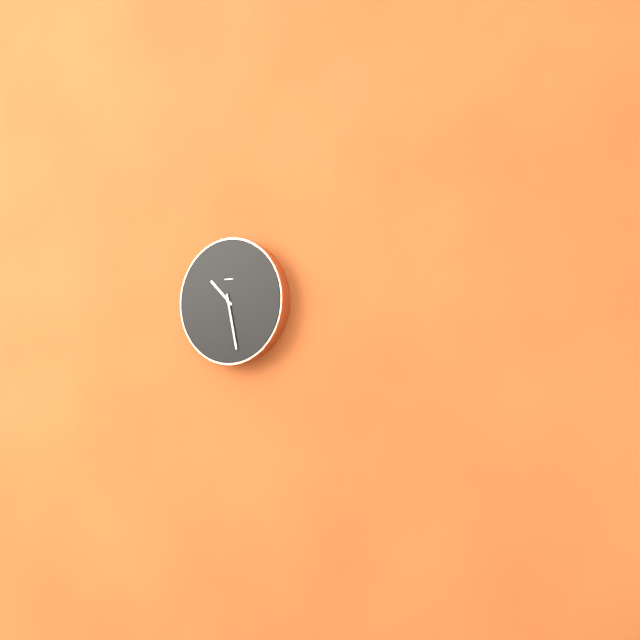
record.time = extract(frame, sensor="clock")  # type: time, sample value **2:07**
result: **10:28**
